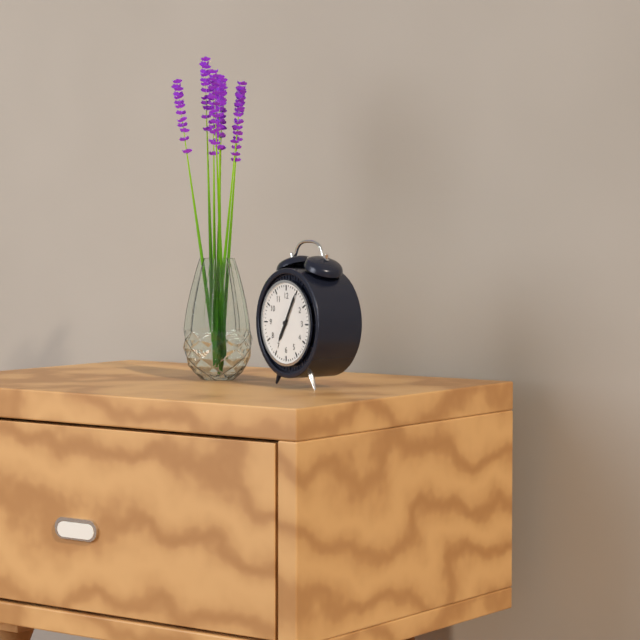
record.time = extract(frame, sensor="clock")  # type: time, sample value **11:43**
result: **7:05**
